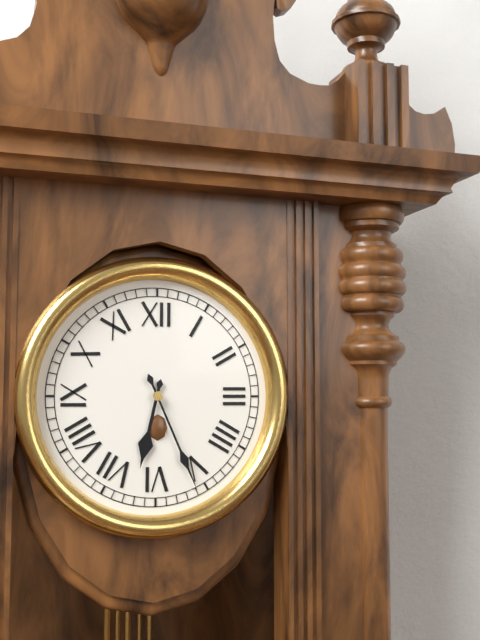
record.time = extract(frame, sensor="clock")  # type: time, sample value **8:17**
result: **6:26**
